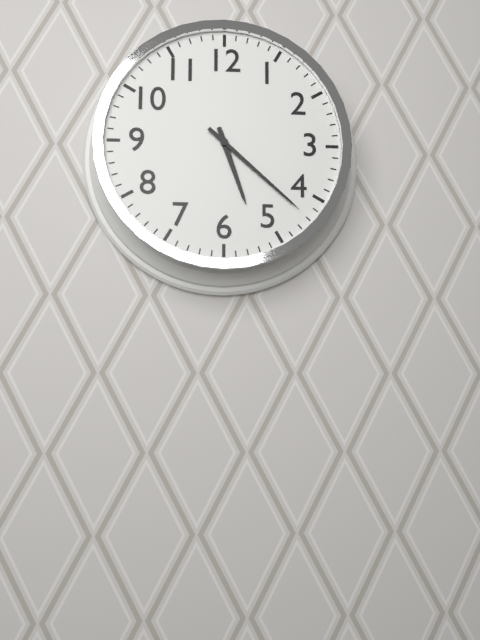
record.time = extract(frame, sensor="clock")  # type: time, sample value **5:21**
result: **5:22**
